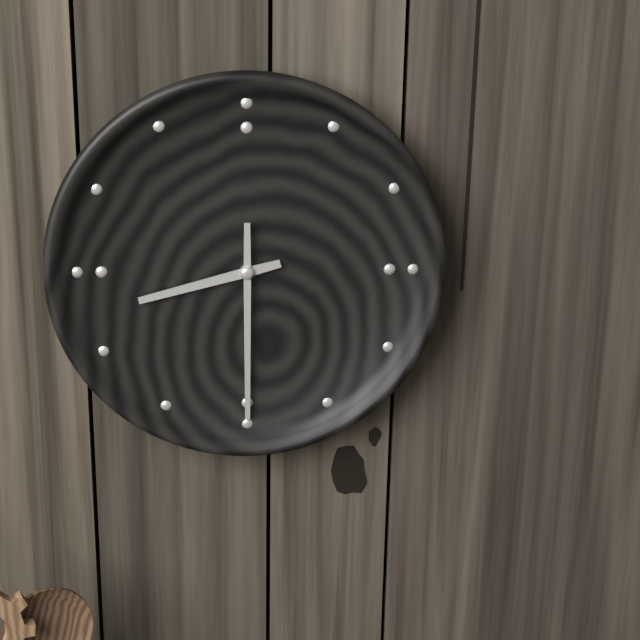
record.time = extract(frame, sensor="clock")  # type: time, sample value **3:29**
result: **8:30**
